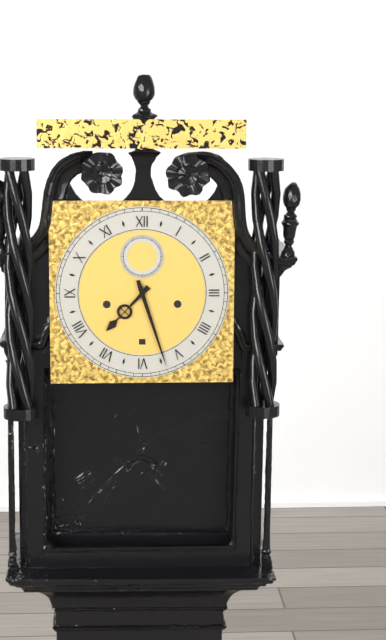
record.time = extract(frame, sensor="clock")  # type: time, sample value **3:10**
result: **7:27**
